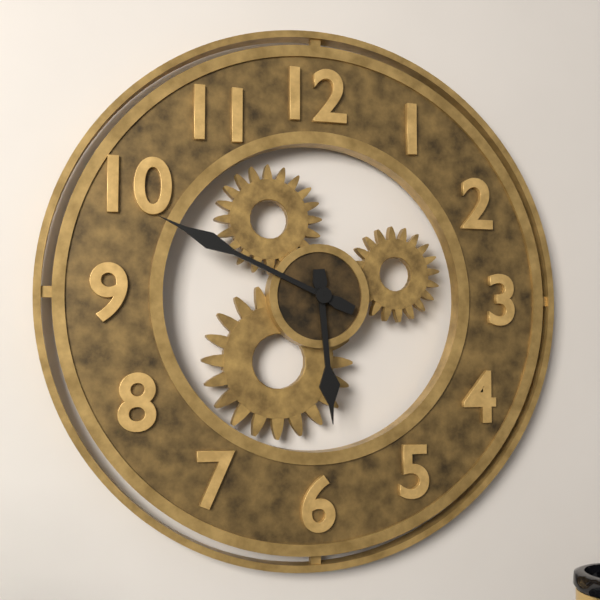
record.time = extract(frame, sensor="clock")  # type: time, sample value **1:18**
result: **5:49**
